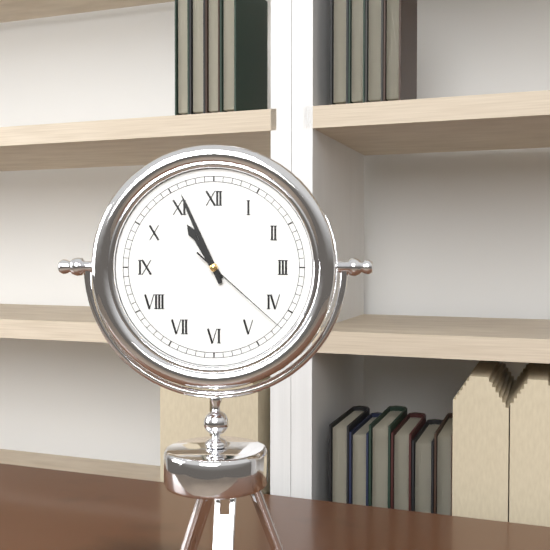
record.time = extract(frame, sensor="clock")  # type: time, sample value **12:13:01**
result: **10:56:22**
